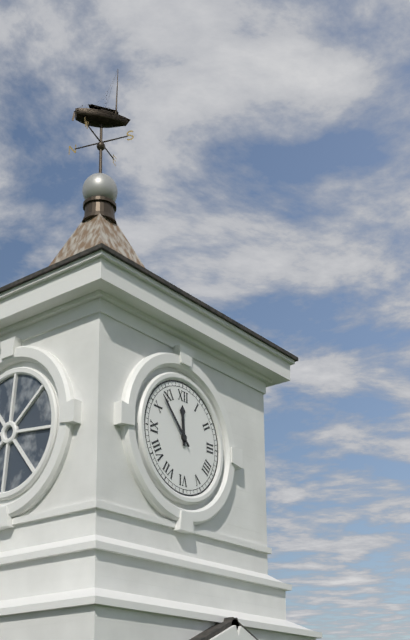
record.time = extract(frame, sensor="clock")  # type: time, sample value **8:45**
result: **11:53**
